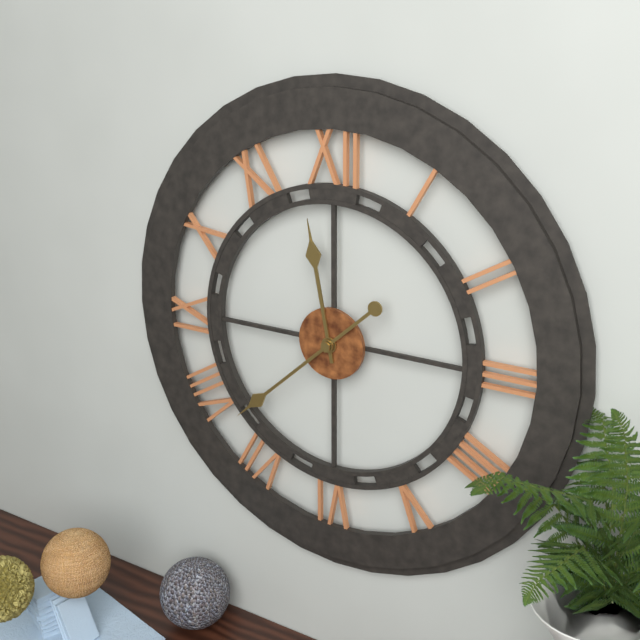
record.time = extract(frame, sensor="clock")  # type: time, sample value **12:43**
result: **11:38**
